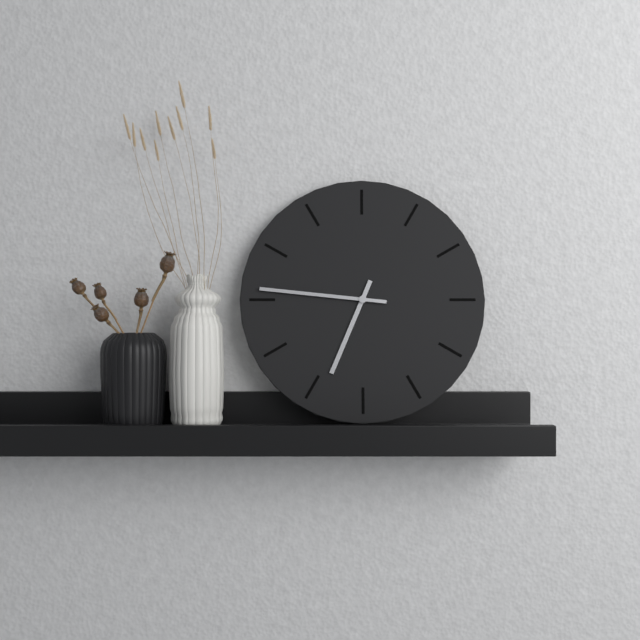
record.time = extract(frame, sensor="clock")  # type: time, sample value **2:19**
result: **6:46**
